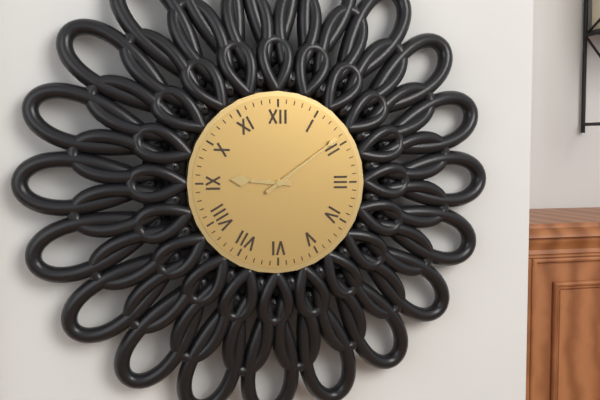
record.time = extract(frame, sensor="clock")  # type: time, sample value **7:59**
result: **9:09**
